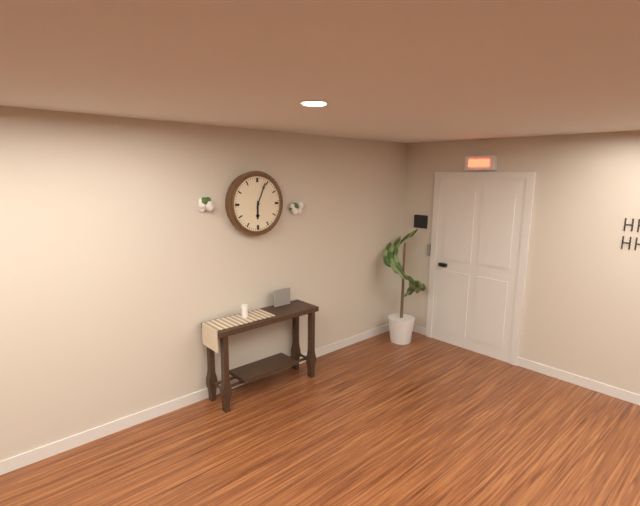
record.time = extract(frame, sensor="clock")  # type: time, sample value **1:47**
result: **6:04**
